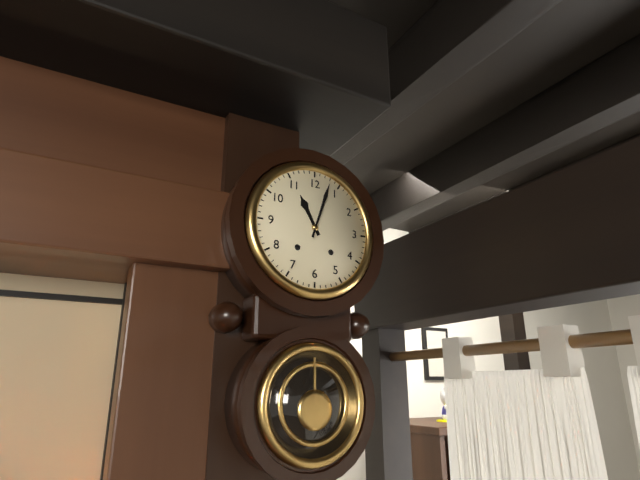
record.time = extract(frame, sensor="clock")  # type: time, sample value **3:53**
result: **11:03**
